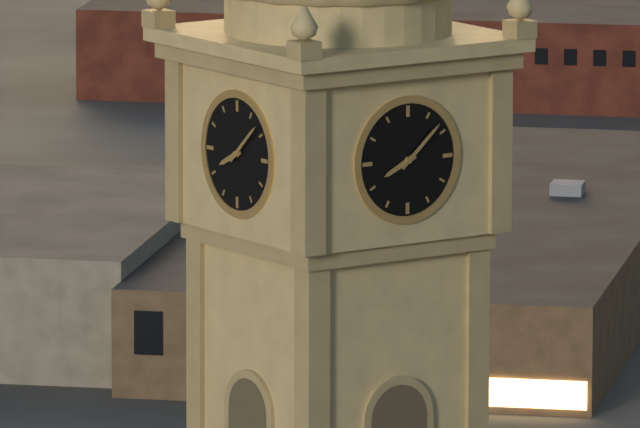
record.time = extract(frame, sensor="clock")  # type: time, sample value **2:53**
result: **8:08**
